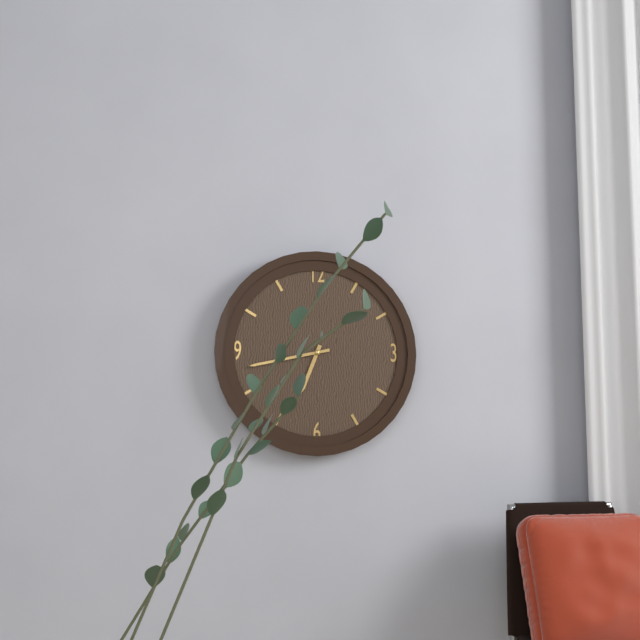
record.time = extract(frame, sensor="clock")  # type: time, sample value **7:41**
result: **6:43**
